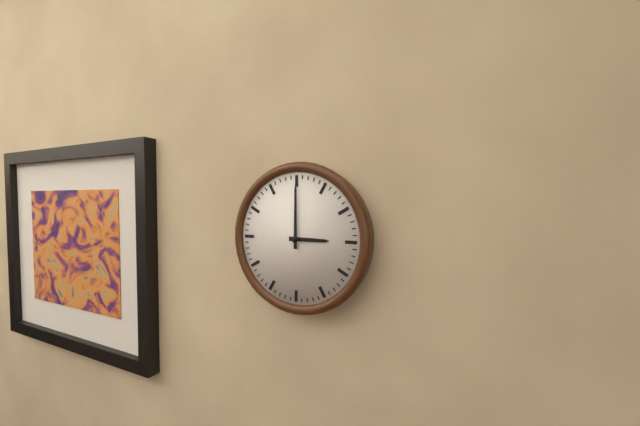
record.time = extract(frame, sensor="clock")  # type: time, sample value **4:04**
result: **3:00**
